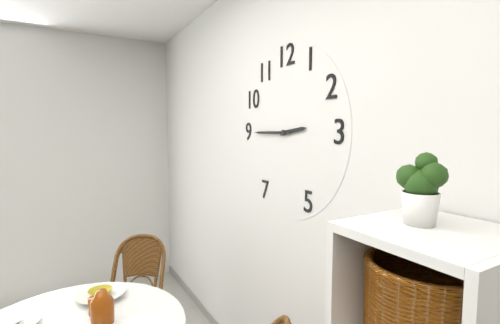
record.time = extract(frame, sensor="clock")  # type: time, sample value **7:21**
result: **2:45**
